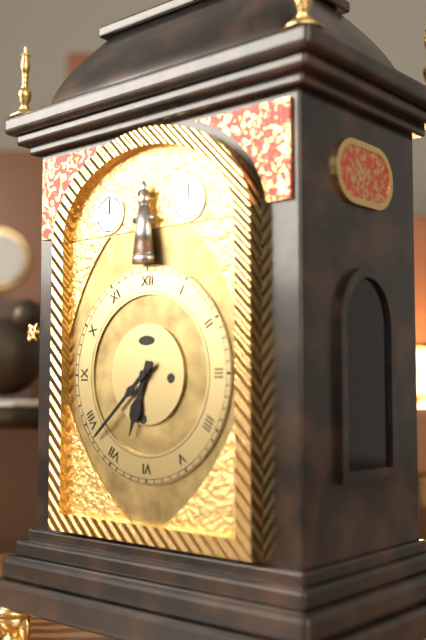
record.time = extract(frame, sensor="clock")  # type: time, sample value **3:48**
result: **6:38**
